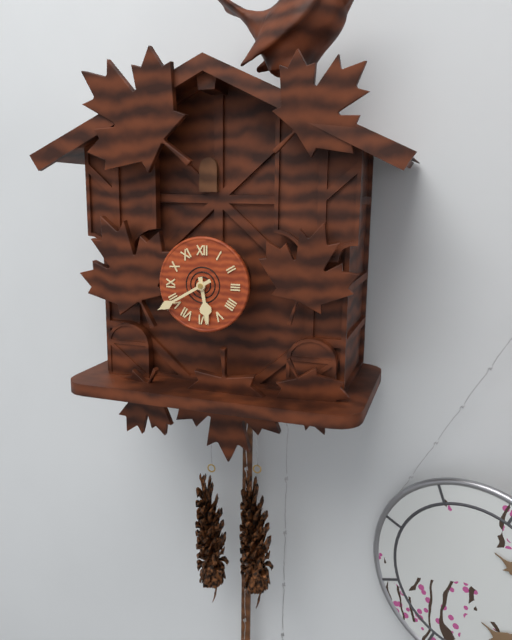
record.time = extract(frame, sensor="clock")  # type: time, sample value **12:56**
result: **5:40**
